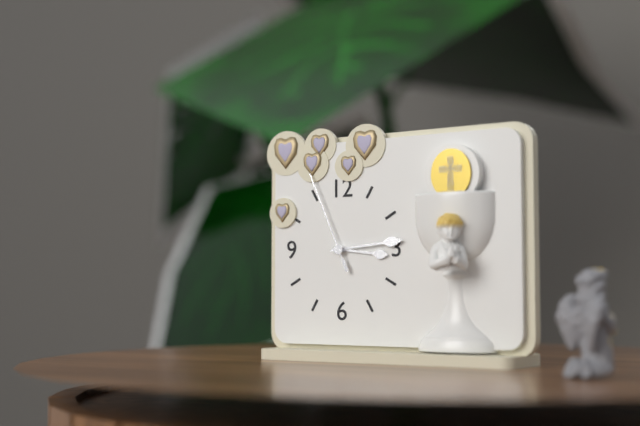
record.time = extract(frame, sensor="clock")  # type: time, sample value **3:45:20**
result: **3:14:56**
